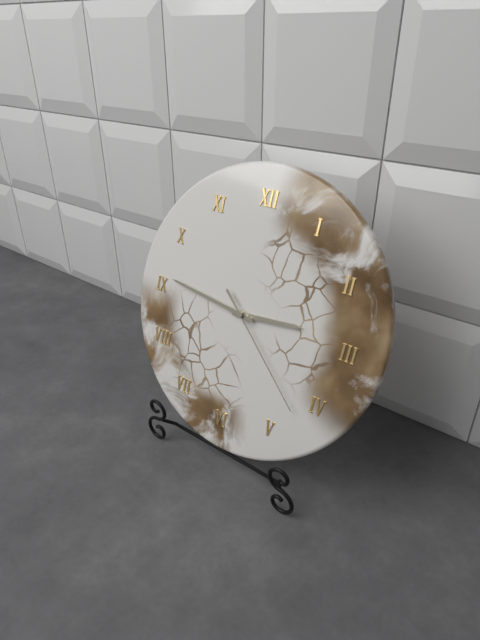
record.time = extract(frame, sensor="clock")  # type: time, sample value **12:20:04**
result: **2:46:22**
